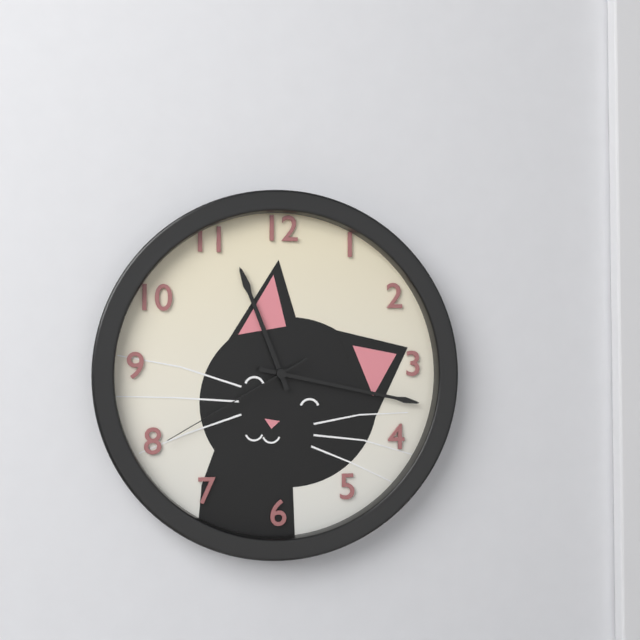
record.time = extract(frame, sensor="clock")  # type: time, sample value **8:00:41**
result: **11:17:40**
